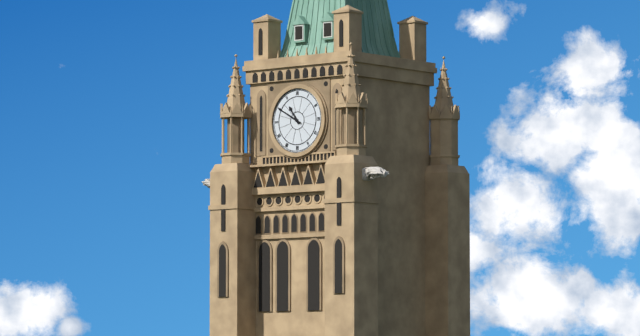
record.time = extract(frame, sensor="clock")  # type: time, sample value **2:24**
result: **10:50**
